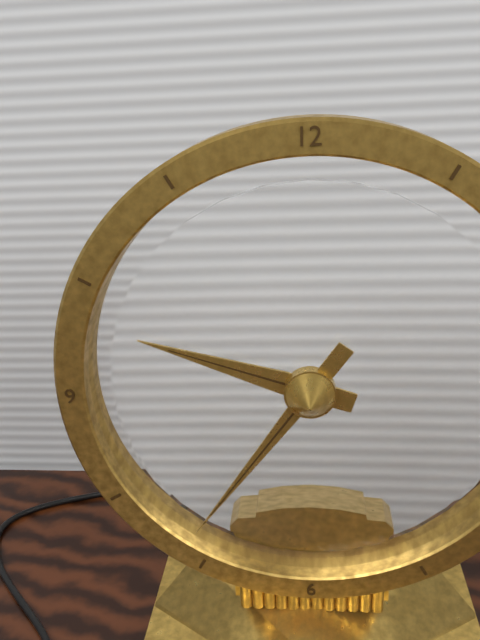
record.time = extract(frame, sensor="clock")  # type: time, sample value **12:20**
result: **9:36**
